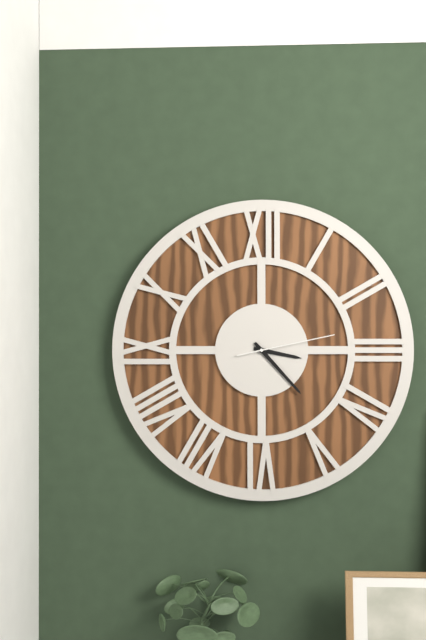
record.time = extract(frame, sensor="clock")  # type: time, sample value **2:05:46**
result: **3:23:13**
